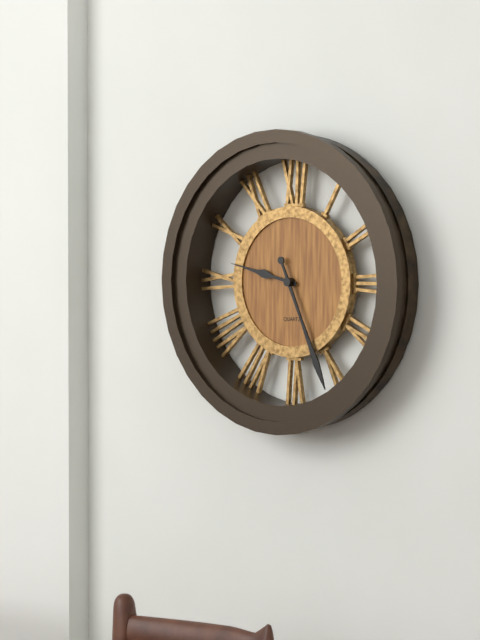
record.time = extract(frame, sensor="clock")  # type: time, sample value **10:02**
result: **9:26**
